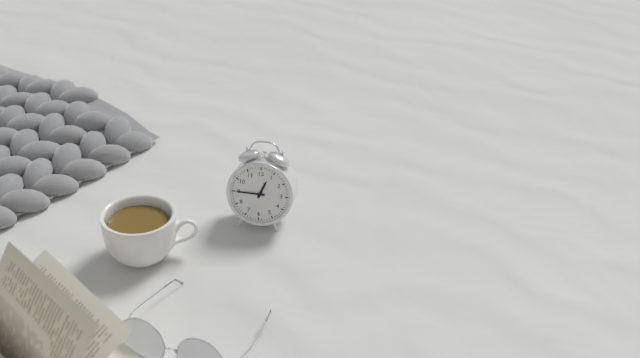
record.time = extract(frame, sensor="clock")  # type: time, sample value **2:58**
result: **12:45**
